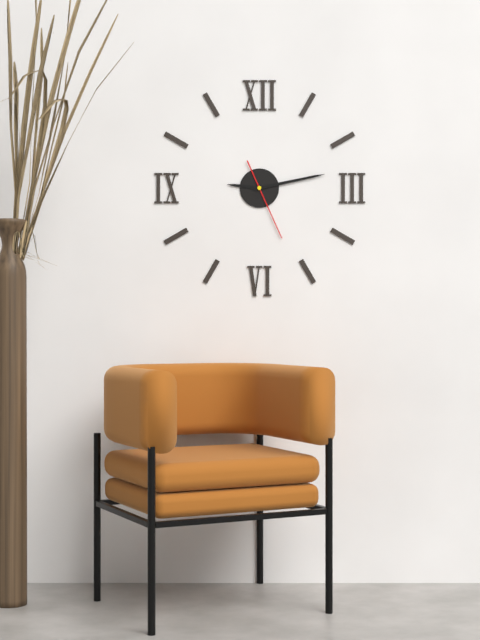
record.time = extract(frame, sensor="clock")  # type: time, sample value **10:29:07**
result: **9:13:26**
